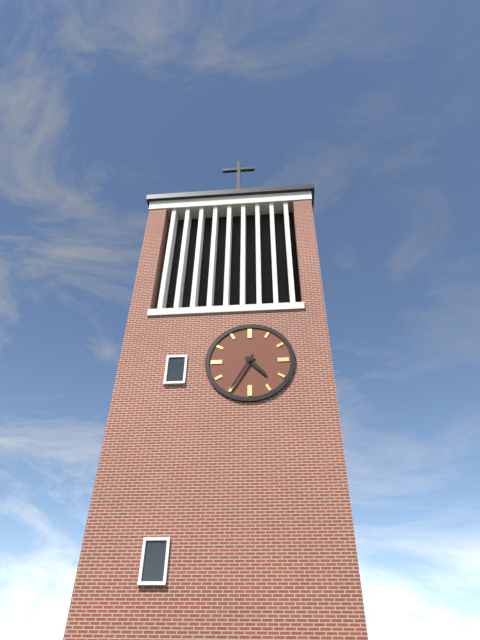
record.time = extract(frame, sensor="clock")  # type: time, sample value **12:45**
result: **4:35**
